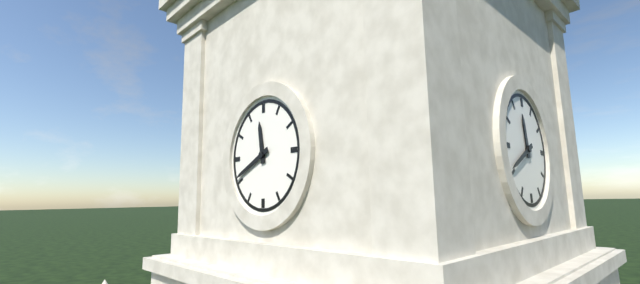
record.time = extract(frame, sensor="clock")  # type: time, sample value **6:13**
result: **11:41**
